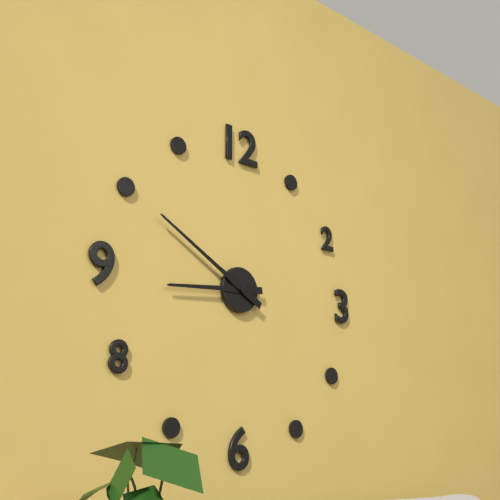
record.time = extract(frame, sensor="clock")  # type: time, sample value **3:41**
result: **8:50**
